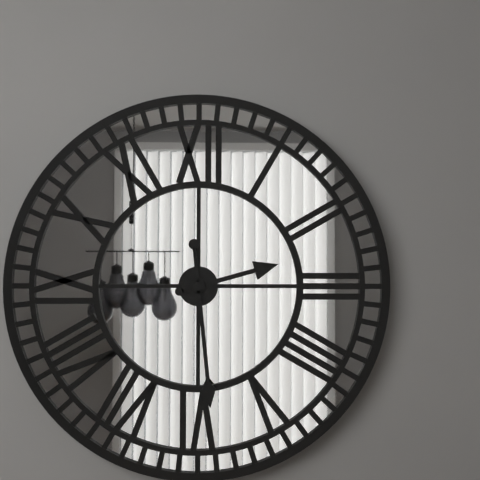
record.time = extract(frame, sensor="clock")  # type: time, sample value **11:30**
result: **2:29**
